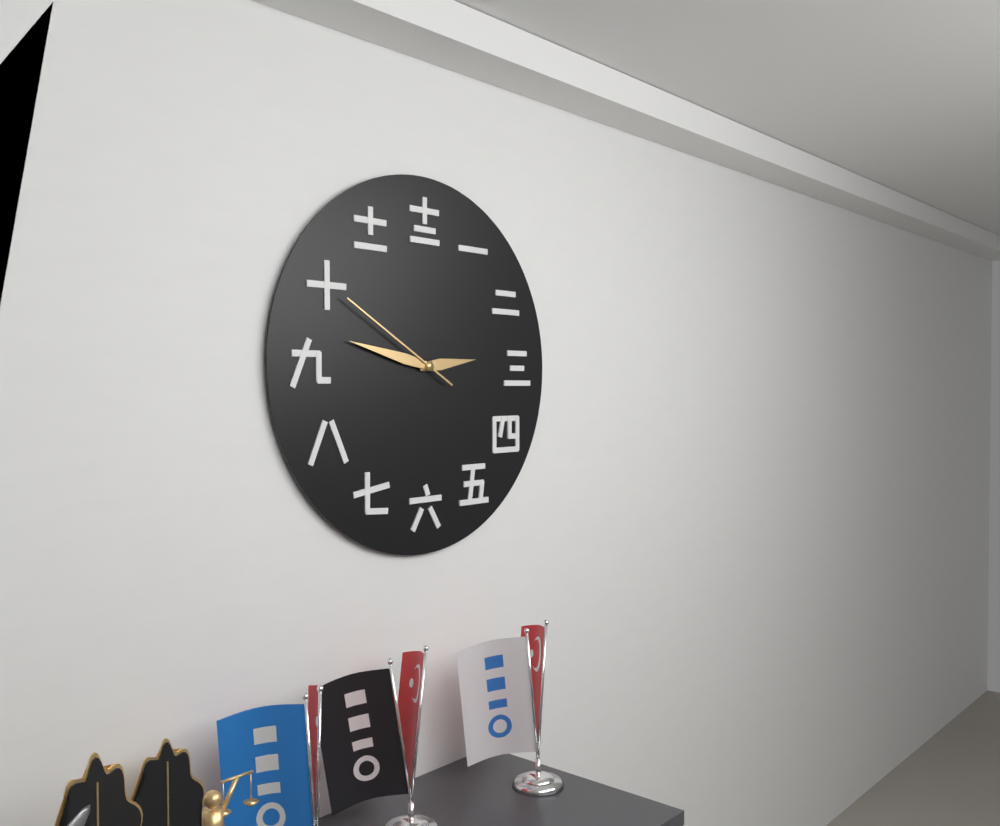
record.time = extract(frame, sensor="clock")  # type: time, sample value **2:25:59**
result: **2:47:50**
